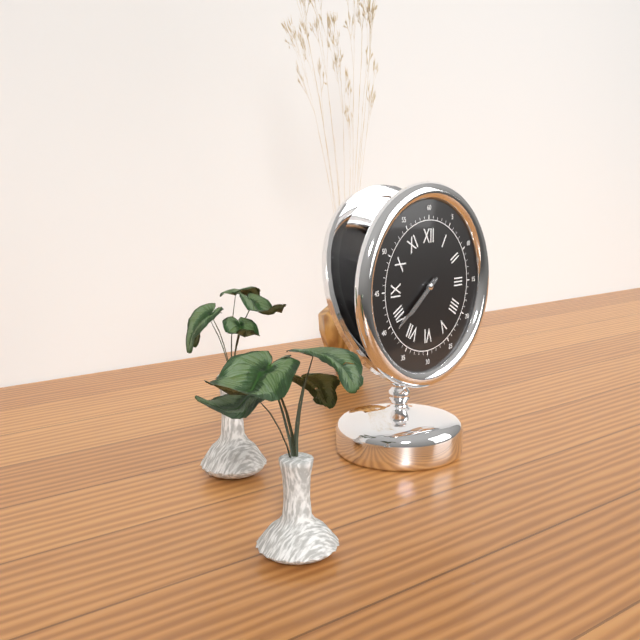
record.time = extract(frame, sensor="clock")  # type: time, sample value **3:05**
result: **7:39**
